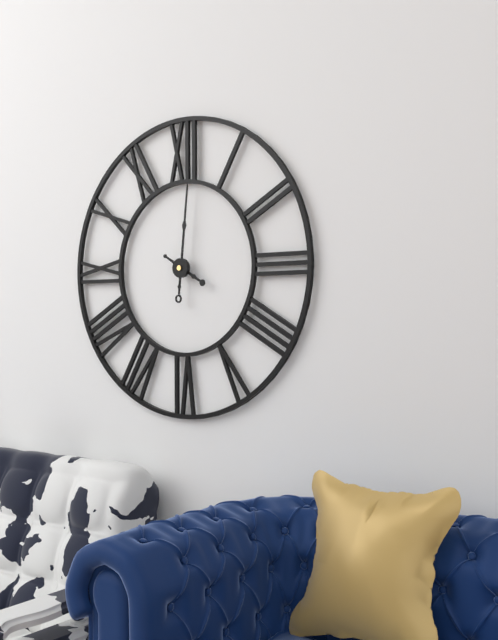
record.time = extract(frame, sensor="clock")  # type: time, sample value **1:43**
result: **4:01**
